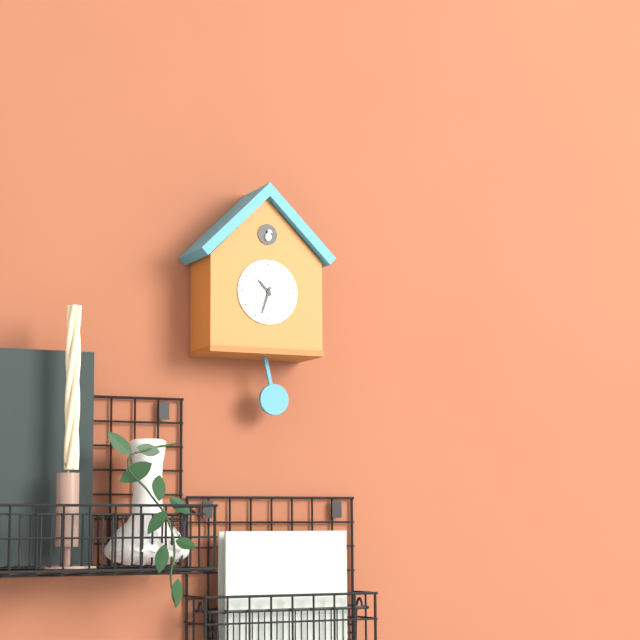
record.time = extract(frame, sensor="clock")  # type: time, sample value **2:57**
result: **10:33**
